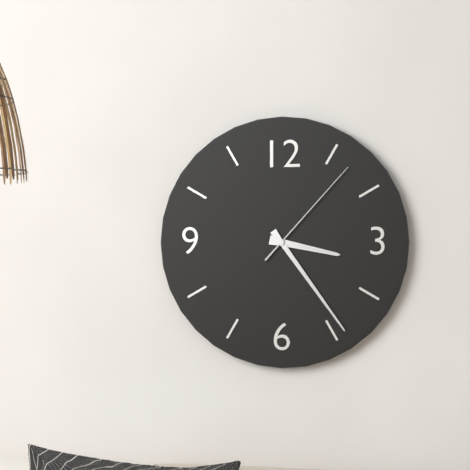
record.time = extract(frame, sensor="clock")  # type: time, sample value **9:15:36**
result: **3:24:07**
